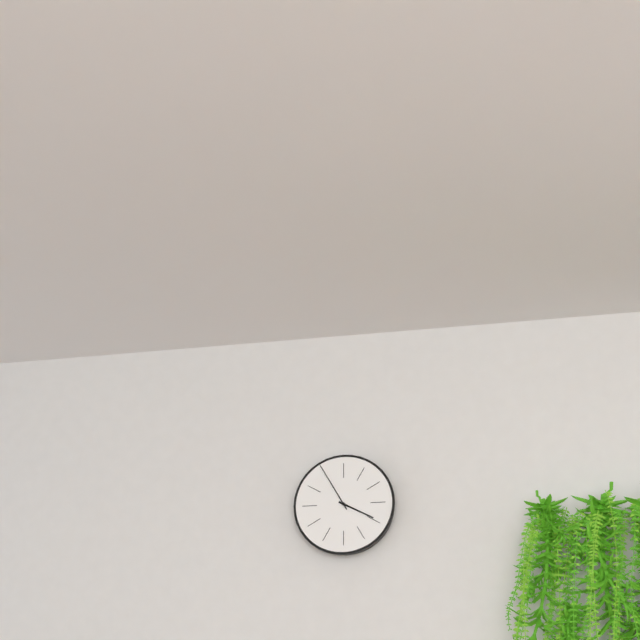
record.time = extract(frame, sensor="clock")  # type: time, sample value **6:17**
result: **3:55**
